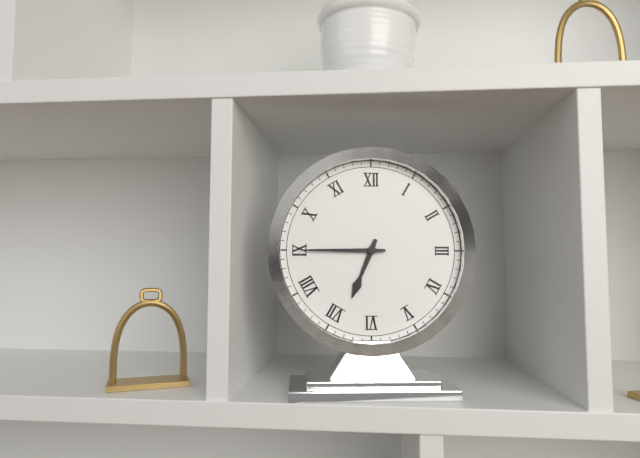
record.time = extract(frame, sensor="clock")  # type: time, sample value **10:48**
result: **6:45**
